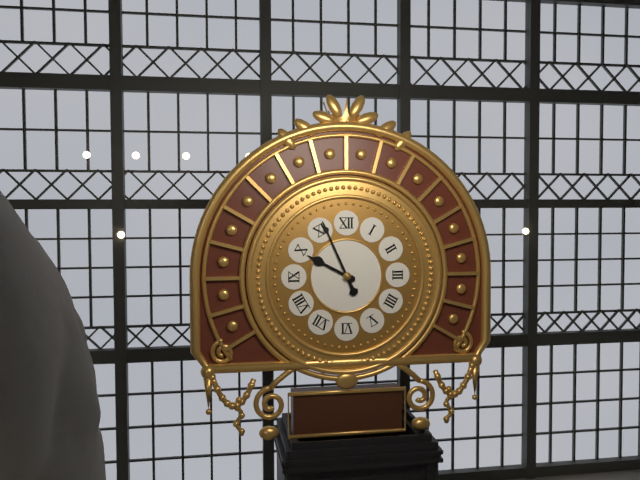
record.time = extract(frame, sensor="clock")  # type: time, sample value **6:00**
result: **9:56**
